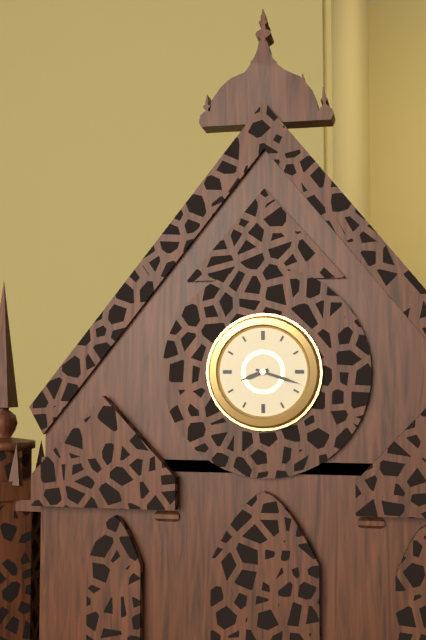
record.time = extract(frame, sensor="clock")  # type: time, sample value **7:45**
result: **8:18**
